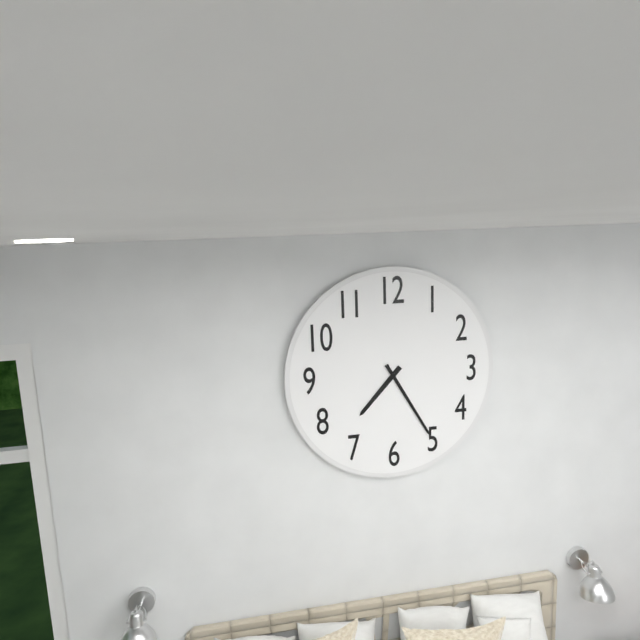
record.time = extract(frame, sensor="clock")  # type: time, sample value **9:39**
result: **7:25**
